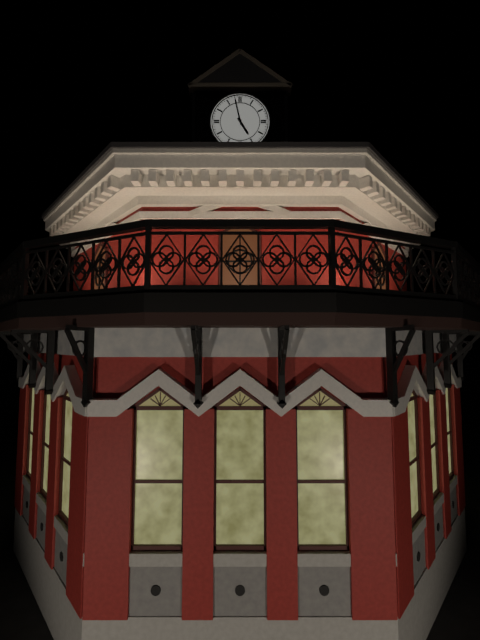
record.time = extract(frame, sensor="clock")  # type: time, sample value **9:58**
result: **4:58**
